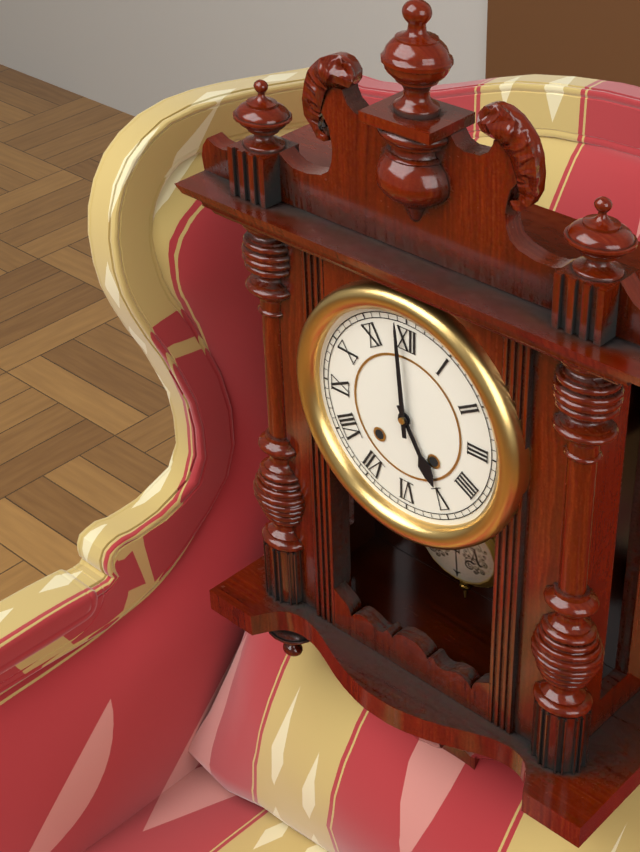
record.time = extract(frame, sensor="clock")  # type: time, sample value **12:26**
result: **4:59**
